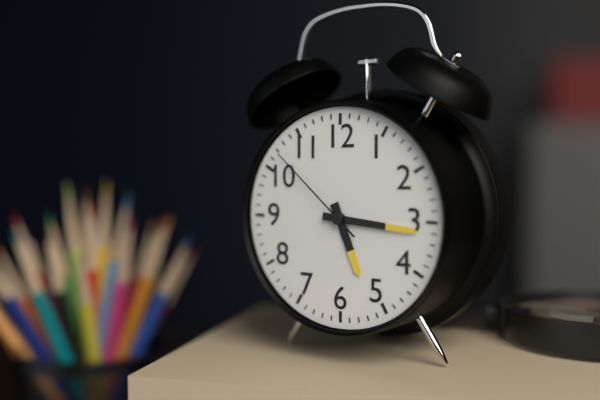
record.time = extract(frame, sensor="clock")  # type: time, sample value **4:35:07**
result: **5:16:52**
